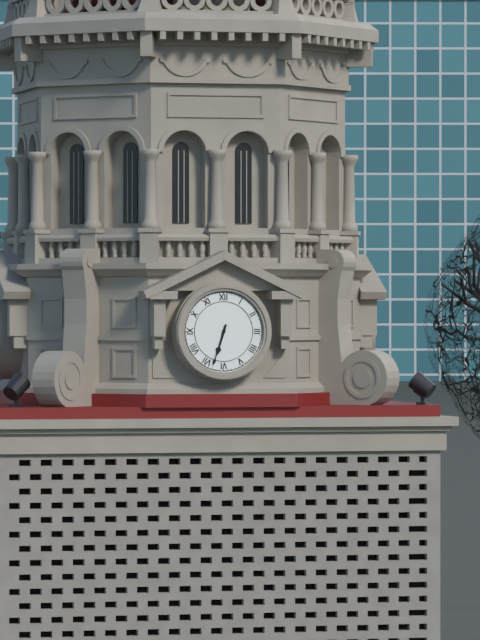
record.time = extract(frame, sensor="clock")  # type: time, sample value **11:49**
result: **6:33**
